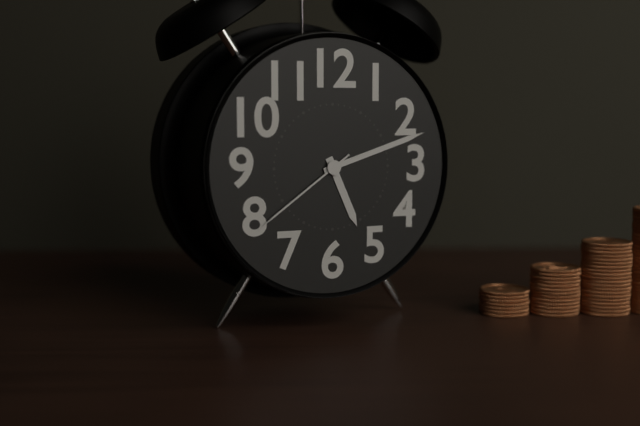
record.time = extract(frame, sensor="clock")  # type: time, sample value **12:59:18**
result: **5:12:39**
